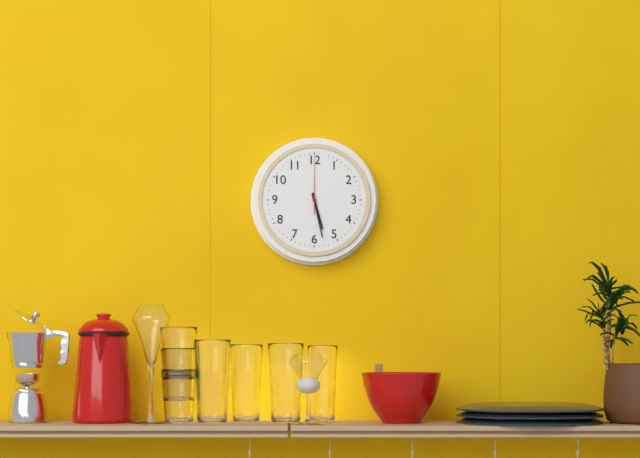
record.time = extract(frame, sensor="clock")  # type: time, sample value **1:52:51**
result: **5:28:00**
